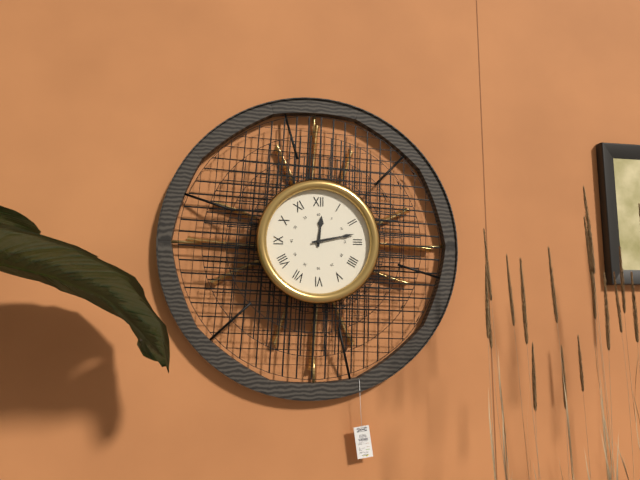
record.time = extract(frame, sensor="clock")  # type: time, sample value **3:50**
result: **12:13**
